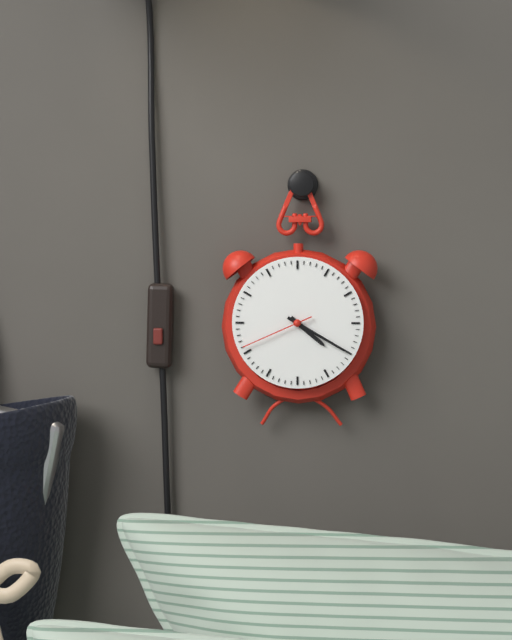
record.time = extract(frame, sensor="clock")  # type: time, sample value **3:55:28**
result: **4:20:41**
